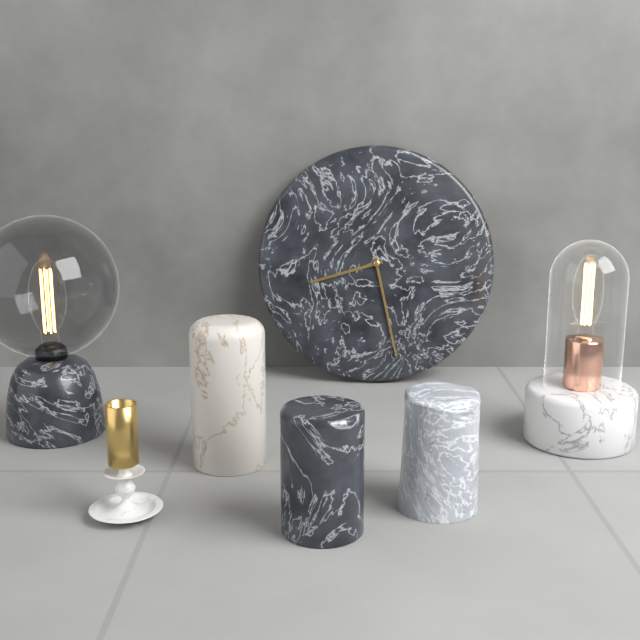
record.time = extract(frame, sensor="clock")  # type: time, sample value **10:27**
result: **8:28**
